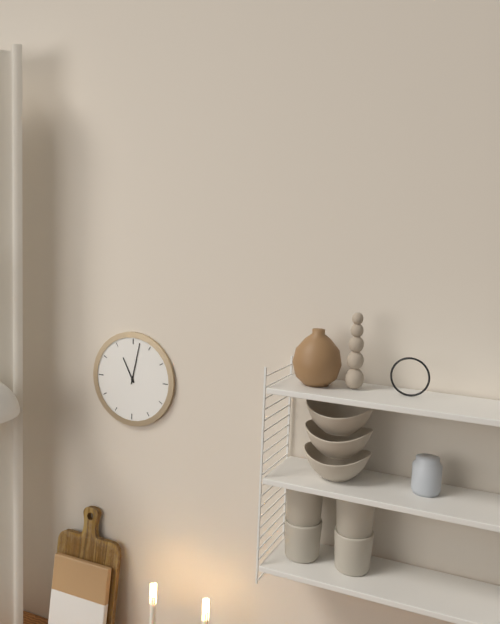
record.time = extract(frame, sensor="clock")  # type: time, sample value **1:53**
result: **11:02**
